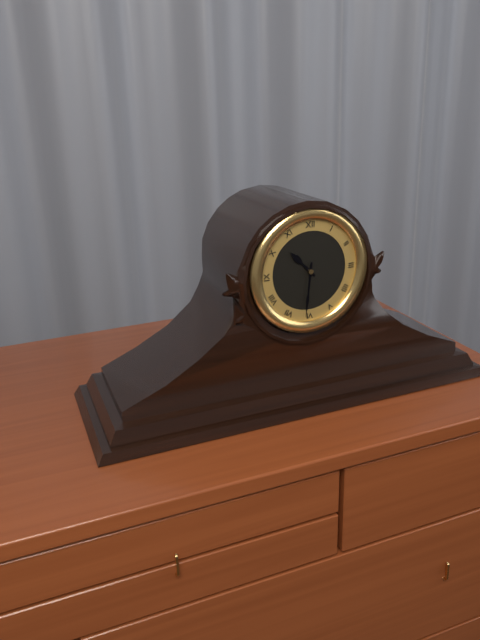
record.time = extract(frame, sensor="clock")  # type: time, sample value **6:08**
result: **10:31**
